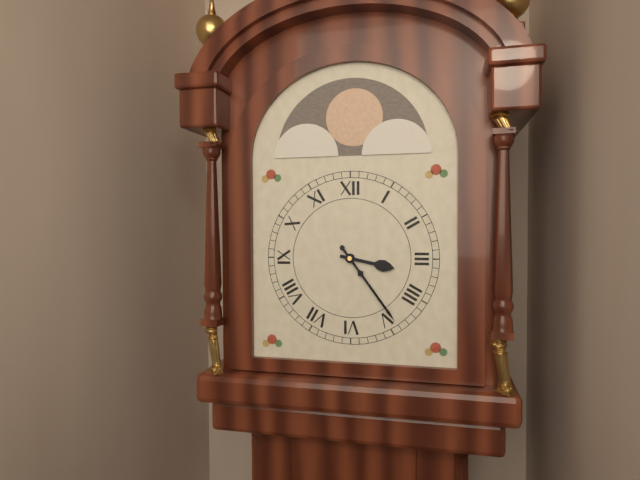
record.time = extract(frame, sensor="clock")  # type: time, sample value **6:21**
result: **3:24**
